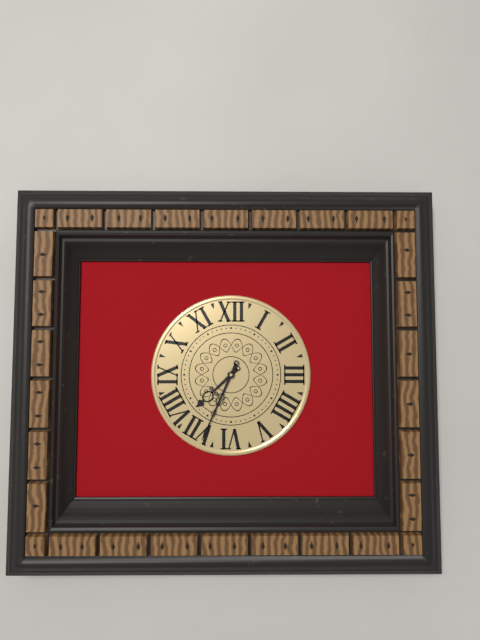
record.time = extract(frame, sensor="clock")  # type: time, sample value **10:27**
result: **7:34**
